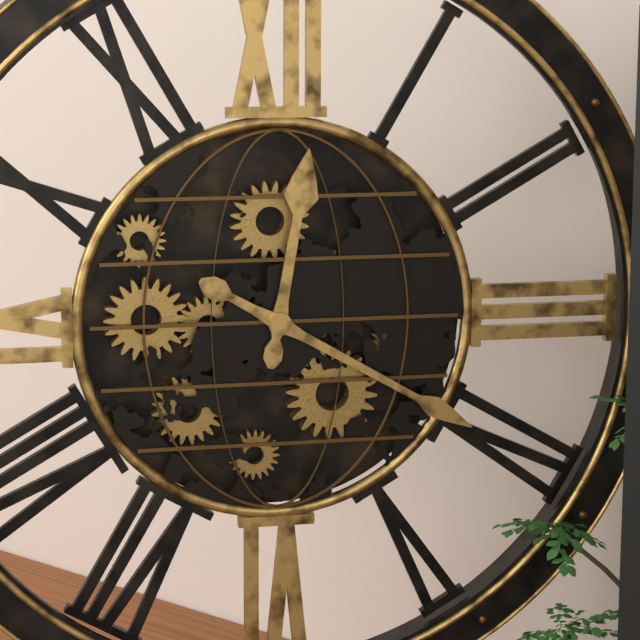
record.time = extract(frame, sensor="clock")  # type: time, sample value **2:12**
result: **12:20**
